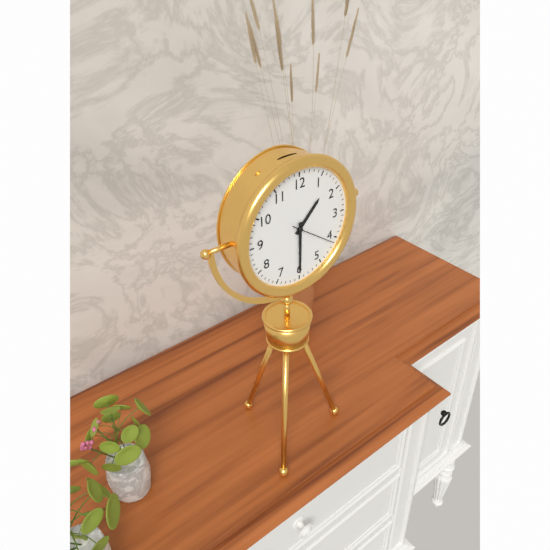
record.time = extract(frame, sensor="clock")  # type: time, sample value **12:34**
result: **1:30**
